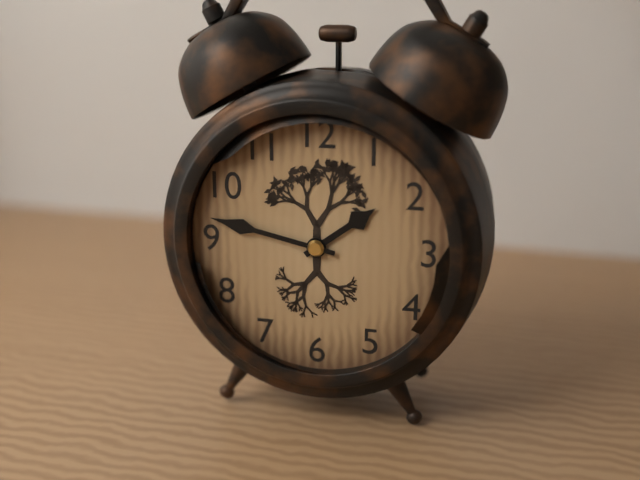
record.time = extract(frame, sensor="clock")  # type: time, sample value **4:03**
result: **1:47**
